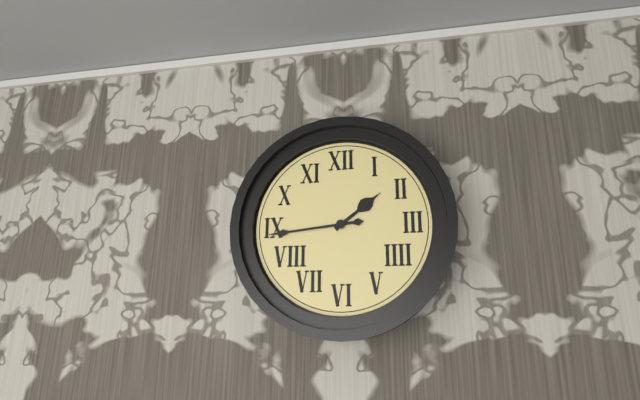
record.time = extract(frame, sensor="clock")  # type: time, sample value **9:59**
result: **1:44**
